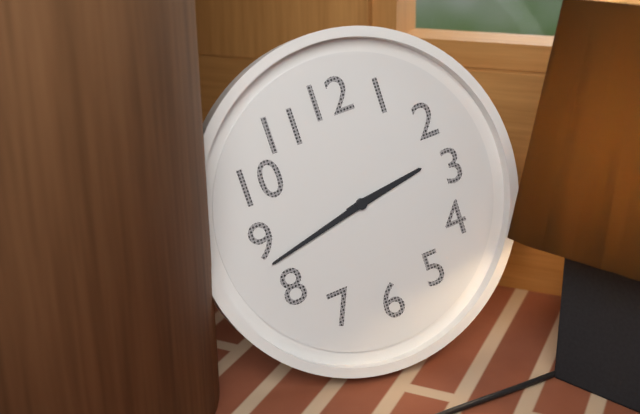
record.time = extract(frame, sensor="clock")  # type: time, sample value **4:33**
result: **2:43**
